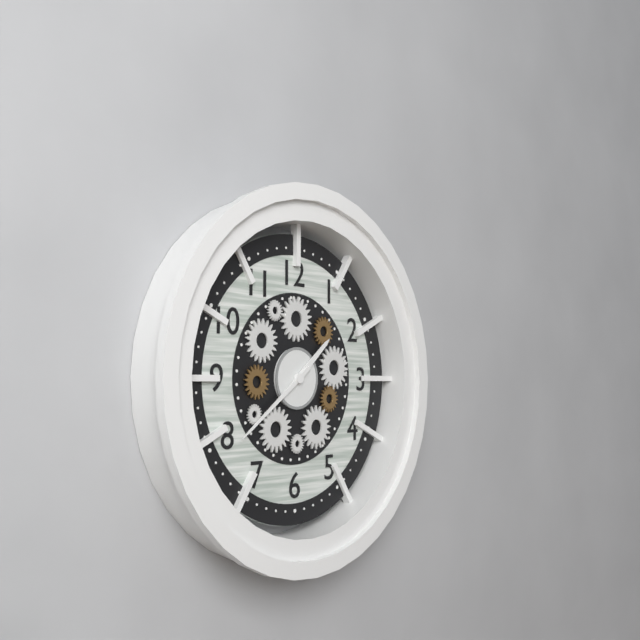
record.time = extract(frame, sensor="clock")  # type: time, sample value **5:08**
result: **1:39**
